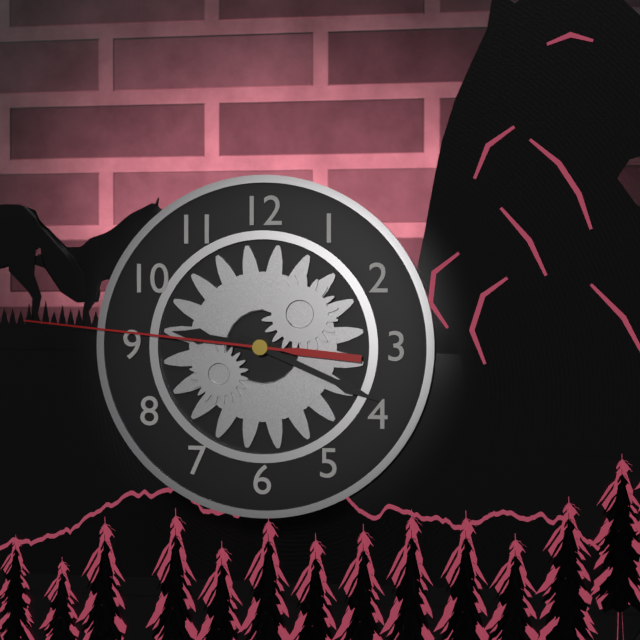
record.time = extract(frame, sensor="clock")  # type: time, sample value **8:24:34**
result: **9:19:46**
